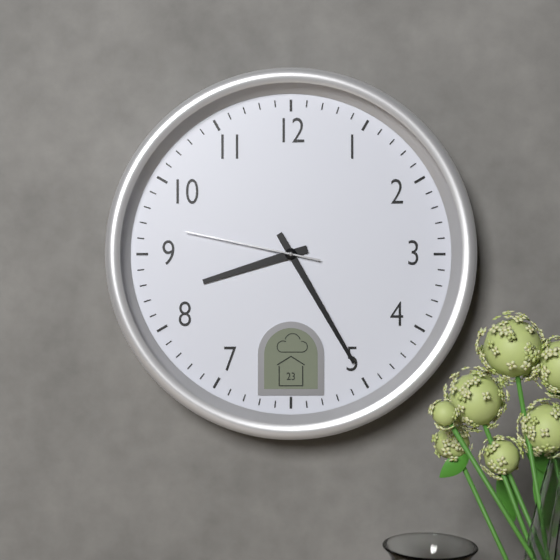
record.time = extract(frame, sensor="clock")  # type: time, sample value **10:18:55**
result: **8:25:47**
